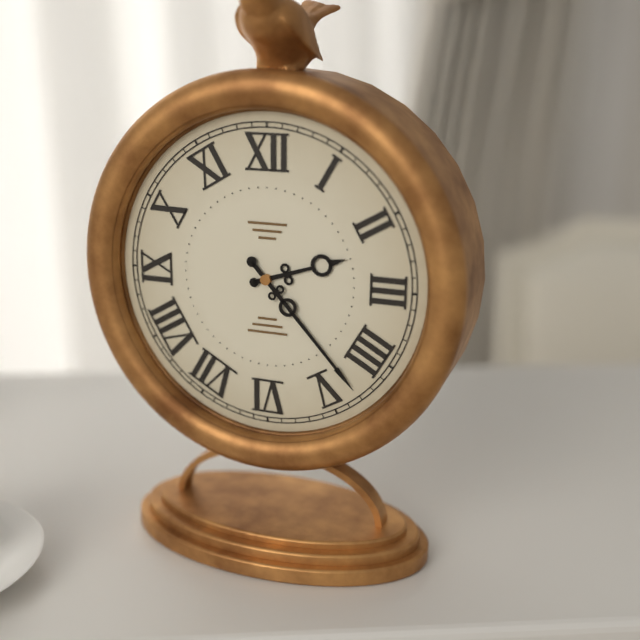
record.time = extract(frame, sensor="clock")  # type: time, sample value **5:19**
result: **2:23**
